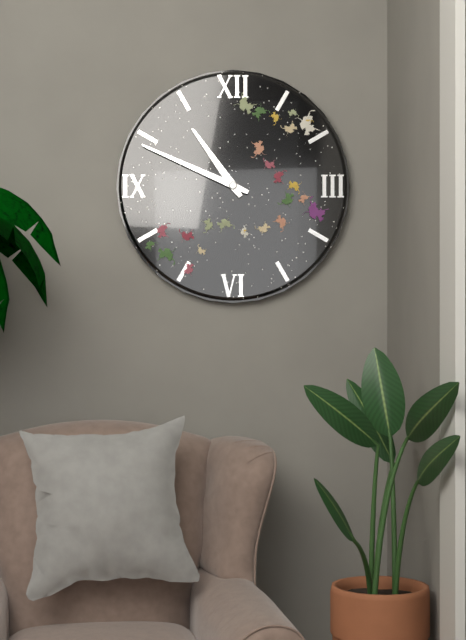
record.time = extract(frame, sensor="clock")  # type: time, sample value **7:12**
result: **10:49**
